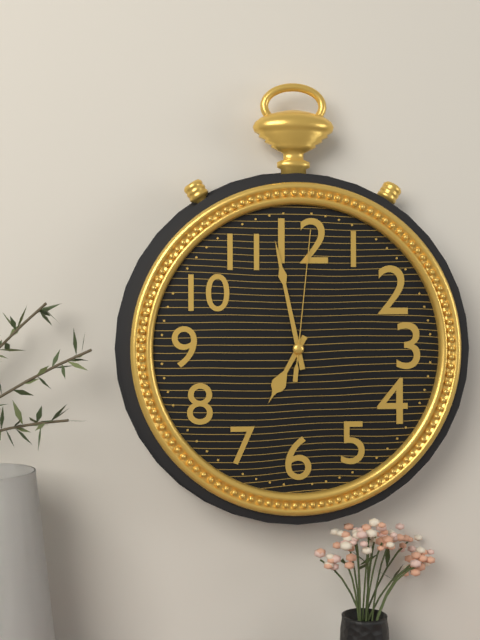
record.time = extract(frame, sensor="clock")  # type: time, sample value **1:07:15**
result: **6:58:01**
